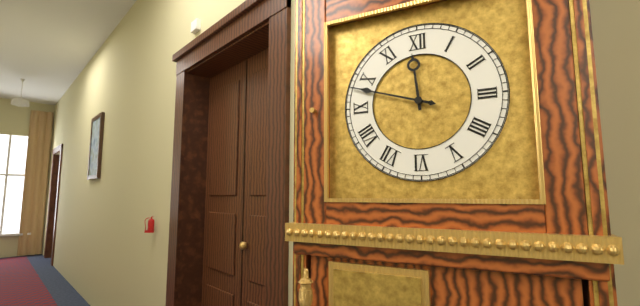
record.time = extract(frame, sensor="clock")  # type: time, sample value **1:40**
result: **11:48**
